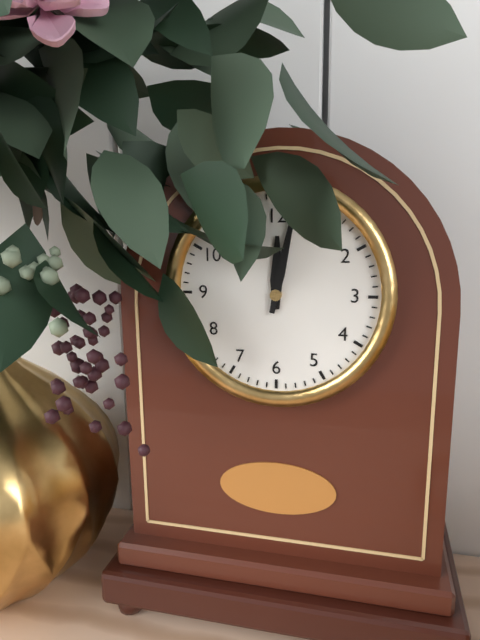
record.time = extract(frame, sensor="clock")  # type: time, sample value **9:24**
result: **12:02**
